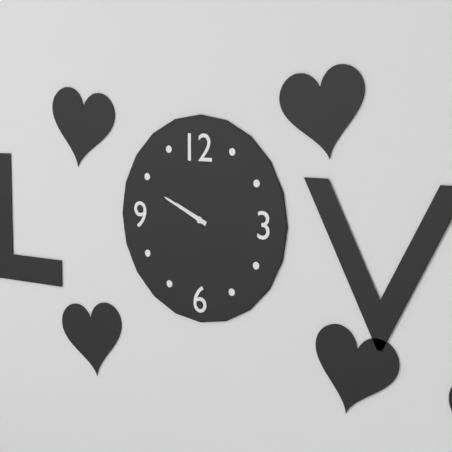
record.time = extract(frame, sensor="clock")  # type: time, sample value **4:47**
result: **9:49**
